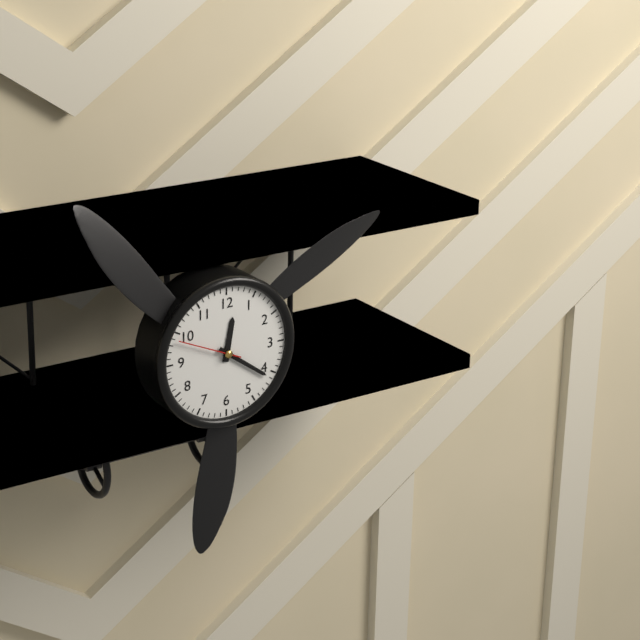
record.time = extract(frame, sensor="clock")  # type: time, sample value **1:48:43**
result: **12:21:49**
